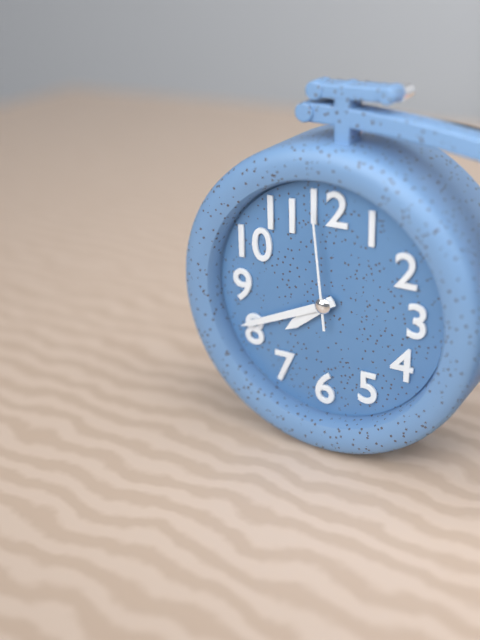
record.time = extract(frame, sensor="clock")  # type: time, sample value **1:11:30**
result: **7:41:59**
